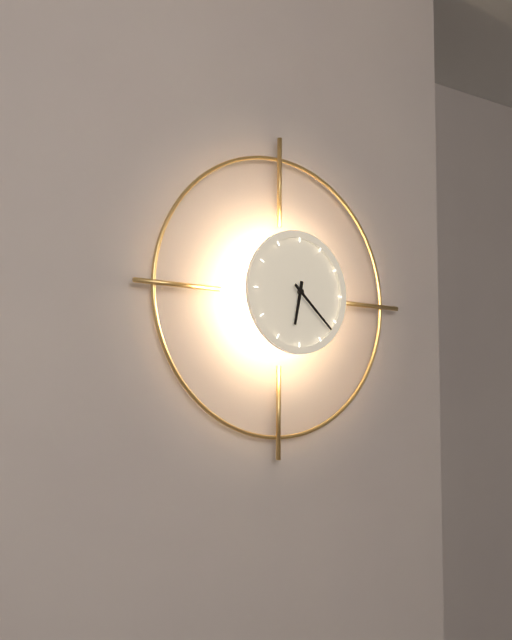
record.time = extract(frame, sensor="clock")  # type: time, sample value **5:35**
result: **6:22**
